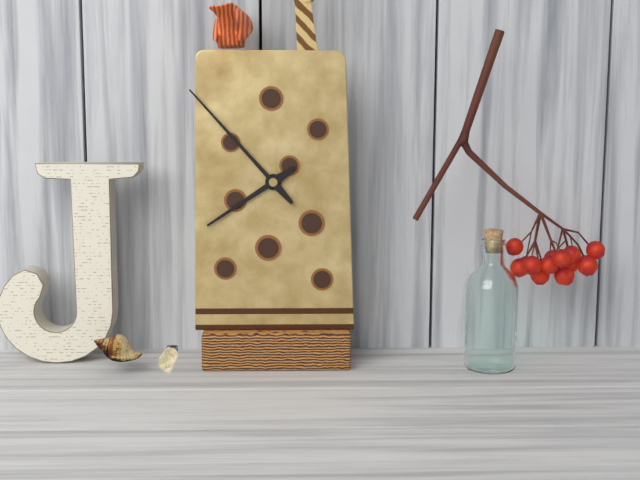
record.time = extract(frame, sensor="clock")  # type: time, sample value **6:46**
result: **7:53**
